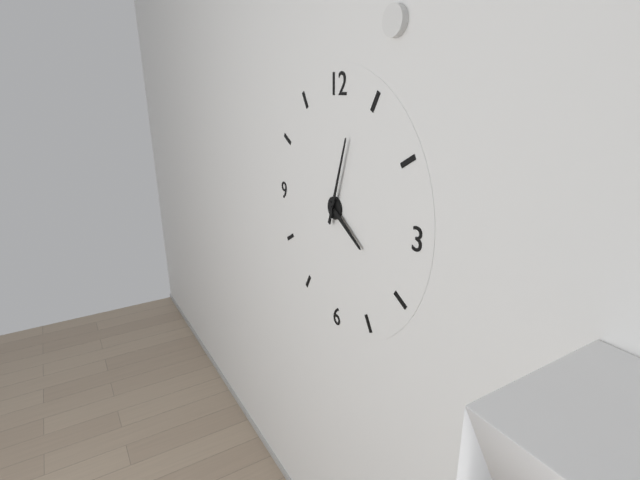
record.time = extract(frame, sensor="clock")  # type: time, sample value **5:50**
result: **4:03**
